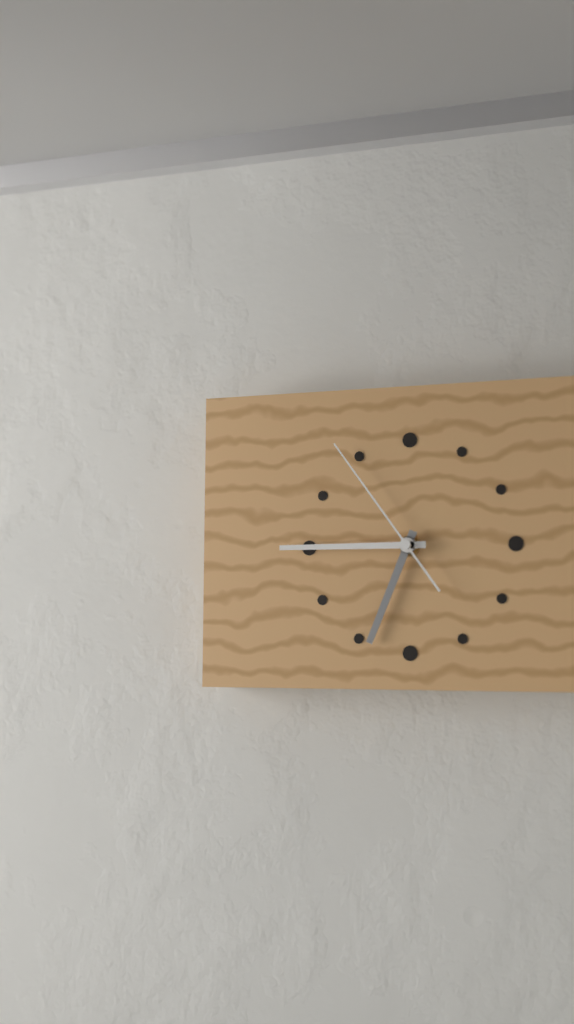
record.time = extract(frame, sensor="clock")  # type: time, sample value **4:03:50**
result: **6:45:54**
